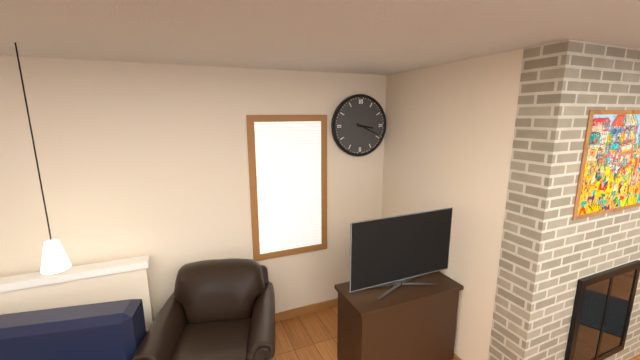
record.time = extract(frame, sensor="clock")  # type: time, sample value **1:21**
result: **3:19**
